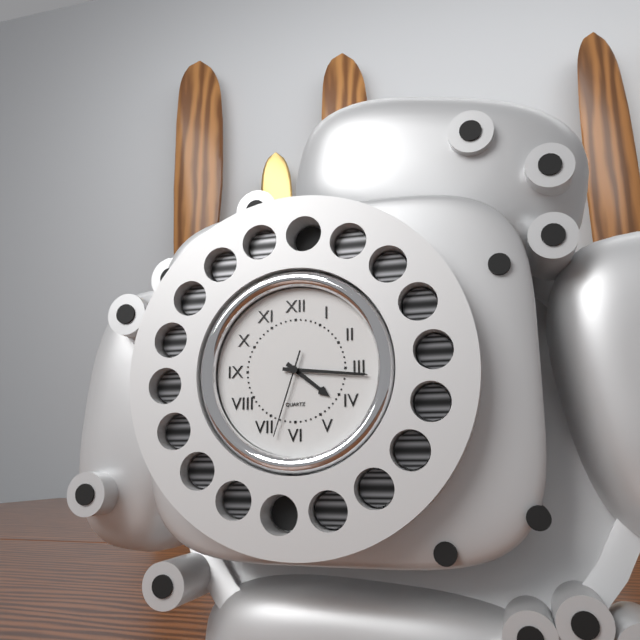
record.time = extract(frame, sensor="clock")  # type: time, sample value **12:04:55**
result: **4:16:33**
